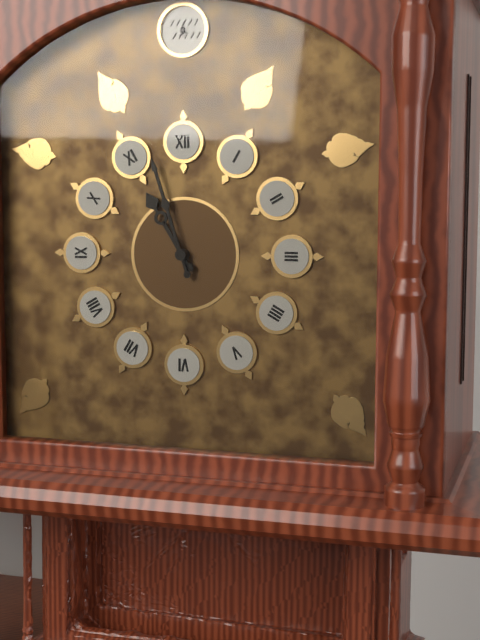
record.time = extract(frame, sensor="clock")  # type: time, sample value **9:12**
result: **10:57**
